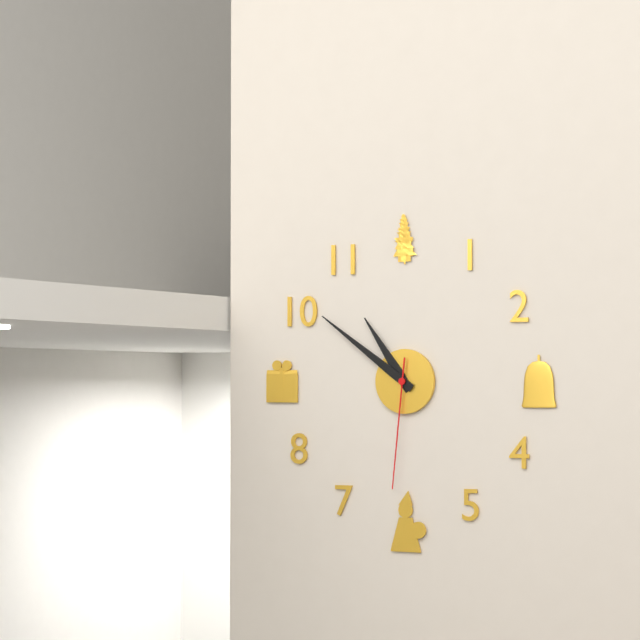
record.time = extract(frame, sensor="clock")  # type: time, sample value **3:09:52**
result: **10:51:31**
